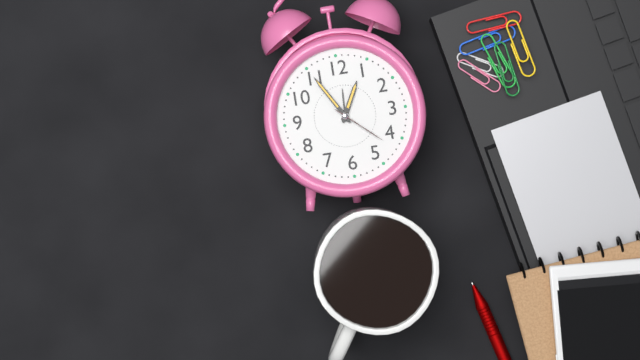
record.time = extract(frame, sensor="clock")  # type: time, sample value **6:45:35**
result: **12:55:22**
